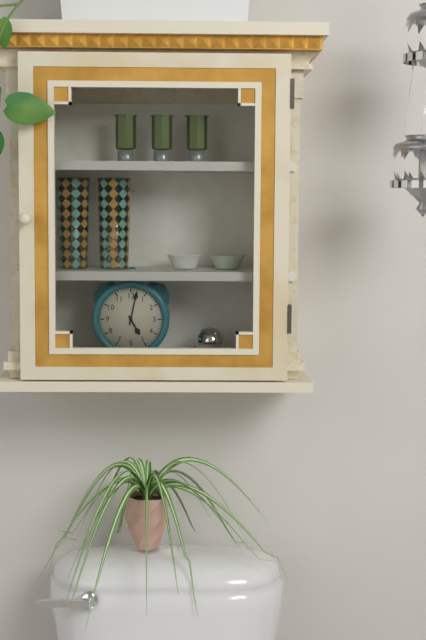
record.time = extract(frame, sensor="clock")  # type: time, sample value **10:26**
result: **5:02**
